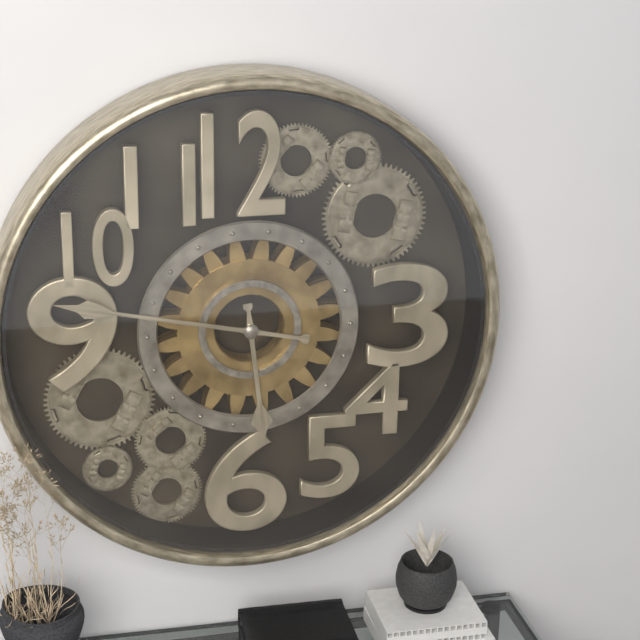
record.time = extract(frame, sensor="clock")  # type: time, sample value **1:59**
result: **5:47**
